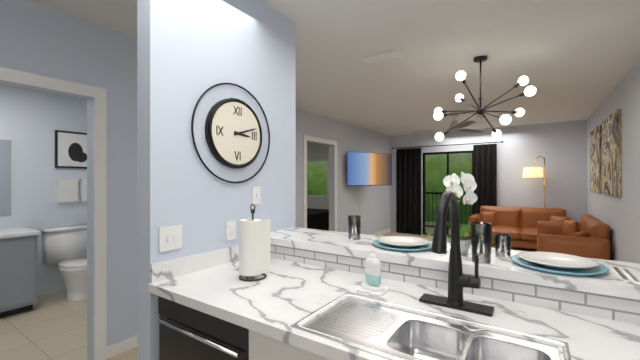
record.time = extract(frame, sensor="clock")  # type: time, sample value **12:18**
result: **3:12**
